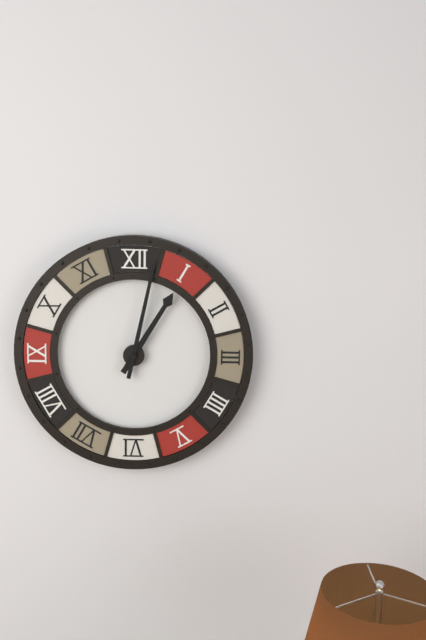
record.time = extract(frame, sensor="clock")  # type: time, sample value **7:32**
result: **1:02**
